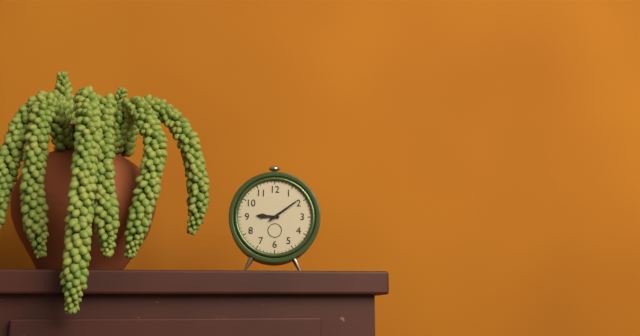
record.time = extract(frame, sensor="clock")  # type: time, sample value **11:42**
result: **9:09**
